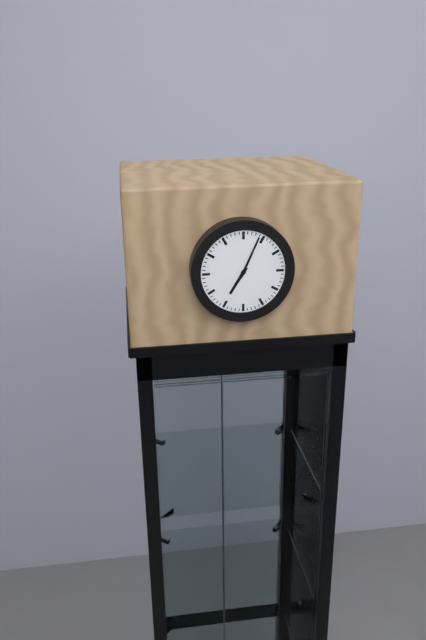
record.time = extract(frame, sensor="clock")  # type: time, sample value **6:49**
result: **7:04**
